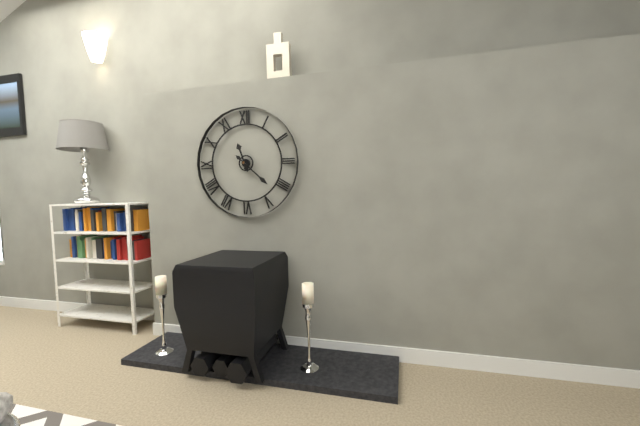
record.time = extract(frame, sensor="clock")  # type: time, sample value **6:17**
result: **11:22**
